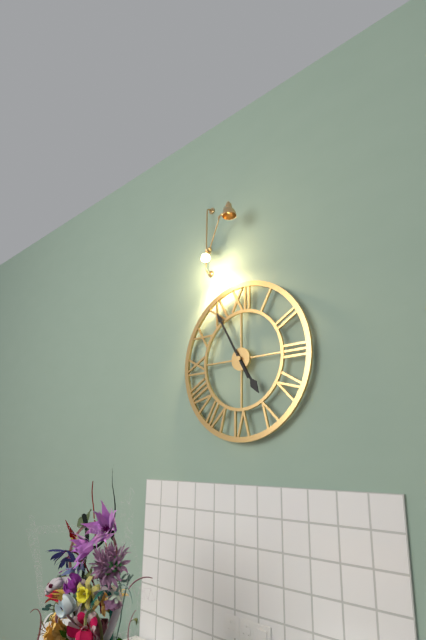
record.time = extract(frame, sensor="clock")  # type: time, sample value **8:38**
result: **4:55**
